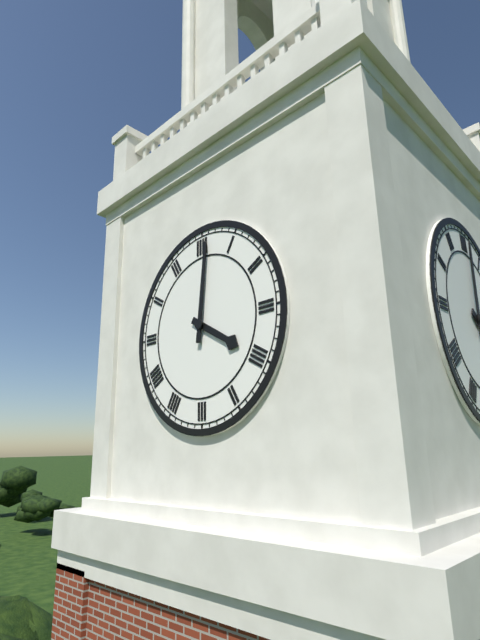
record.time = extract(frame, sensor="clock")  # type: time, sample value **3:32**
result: **4:01**
